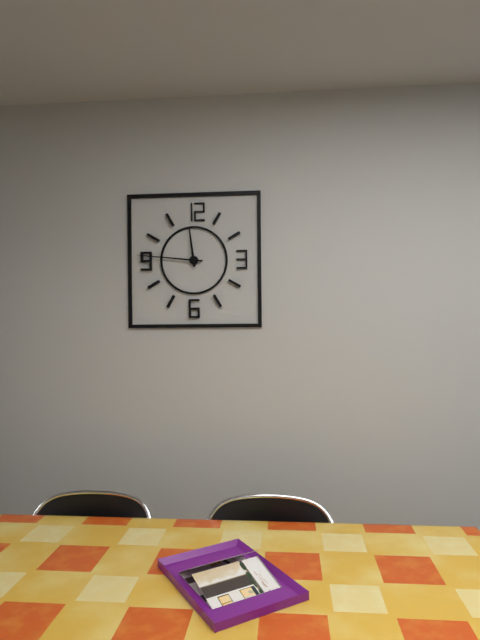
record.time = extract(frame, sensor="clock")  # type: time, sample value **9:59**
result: **11:46**
